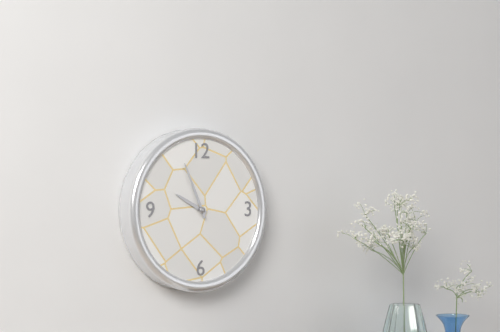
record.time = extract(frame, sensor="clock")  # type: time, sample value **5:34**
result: **9:56**
